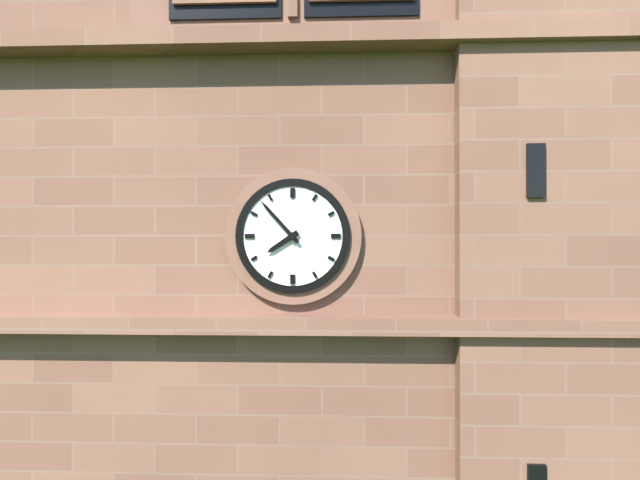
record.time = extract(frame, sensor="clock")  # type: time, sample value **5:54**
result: **7:53**
